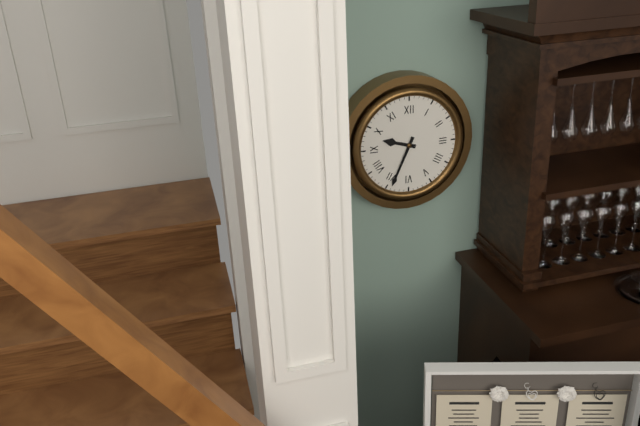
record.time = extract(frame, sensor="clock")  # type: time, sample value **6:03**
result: **9:34**
